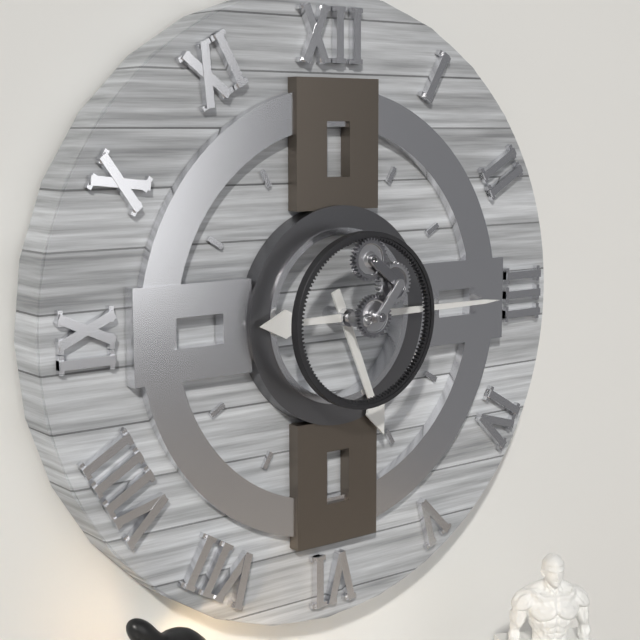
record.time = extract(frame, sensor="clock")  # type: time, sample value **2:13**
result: **5:15**
